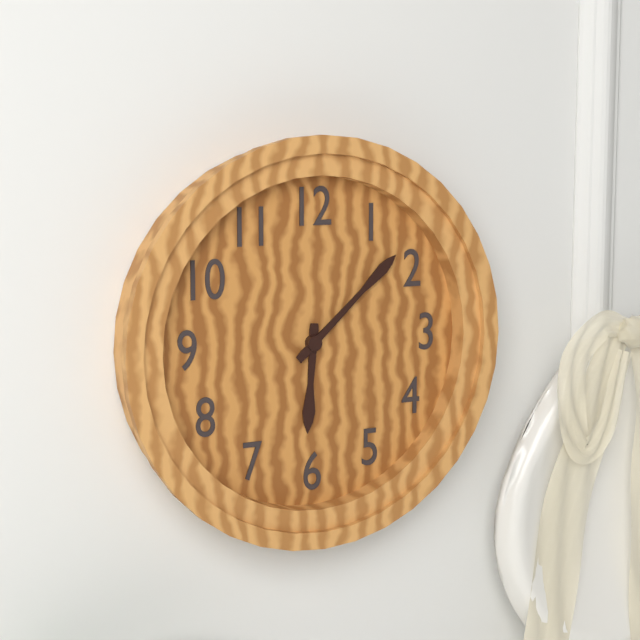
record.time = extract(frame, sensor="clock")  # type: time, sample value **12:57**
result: **6:08**
